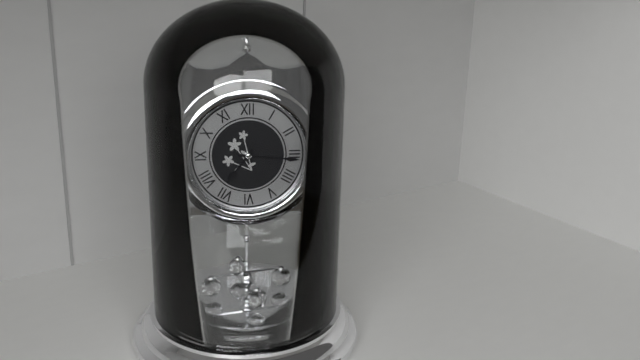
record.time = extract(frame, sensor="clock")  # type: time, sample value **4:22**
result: **7:16**
